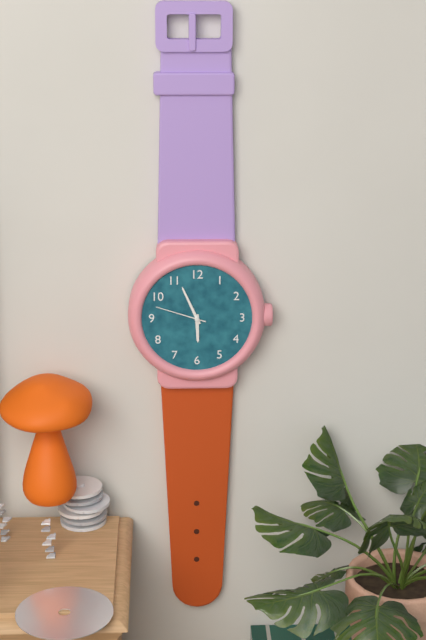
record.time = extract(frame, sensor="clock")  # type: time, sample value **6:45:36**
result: **5:56:48**
